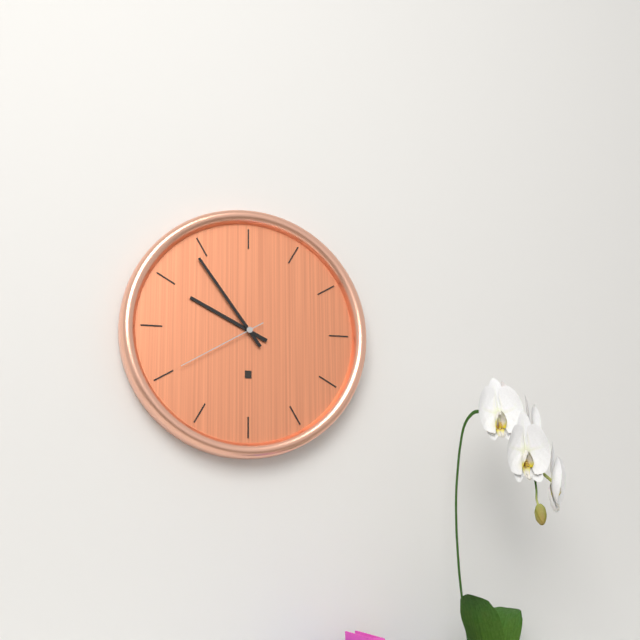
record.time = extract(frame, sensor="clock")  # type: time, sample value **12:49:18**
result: **9:54:40**
